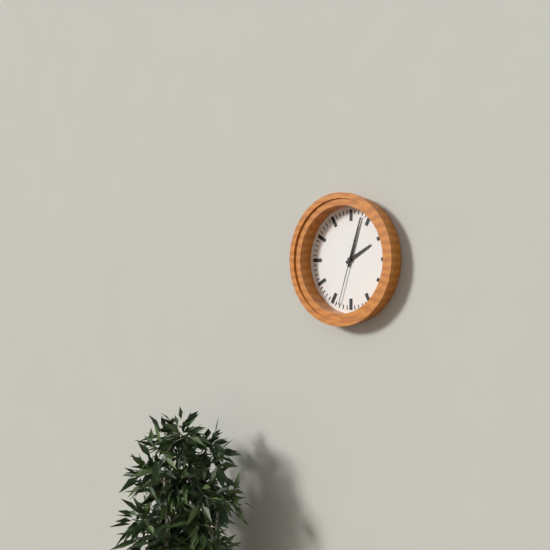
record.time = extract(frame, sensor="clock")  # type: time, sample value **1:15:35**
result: **2:03:33**
